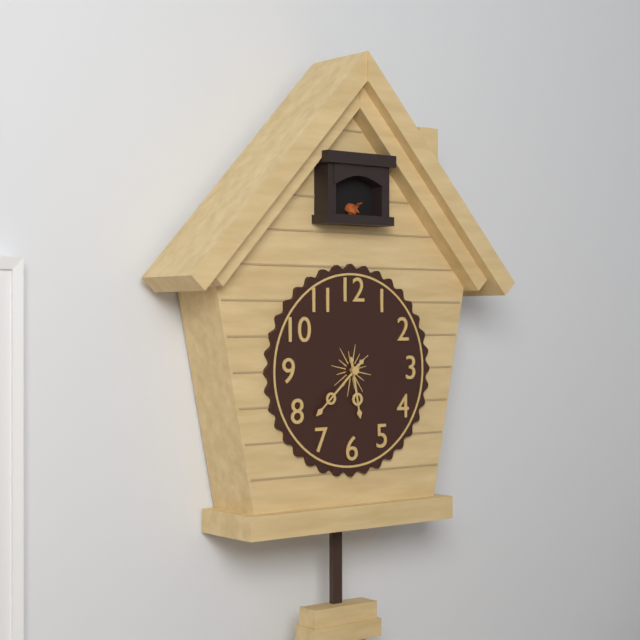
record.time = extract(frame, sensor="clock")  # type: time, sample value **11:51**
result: **5:38**
